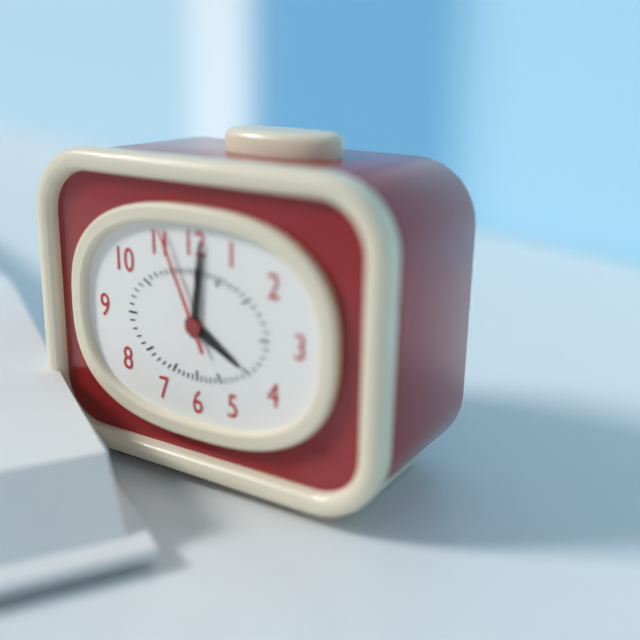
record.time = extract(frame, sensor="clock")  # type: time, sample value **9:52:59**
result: **4:01:56**
